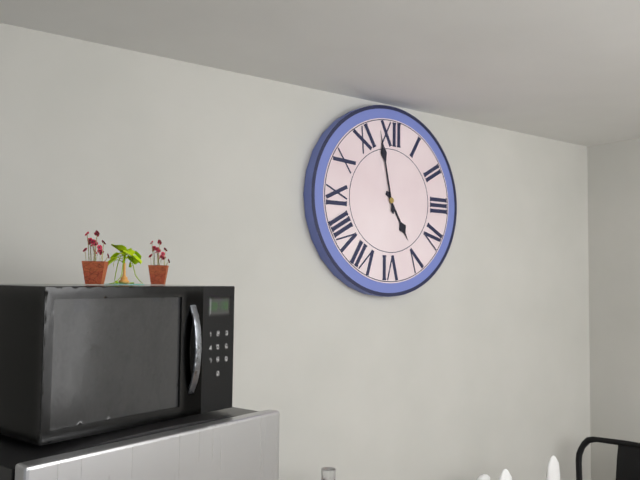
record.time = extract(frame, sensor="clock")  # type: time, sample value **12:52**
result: **4:58**
